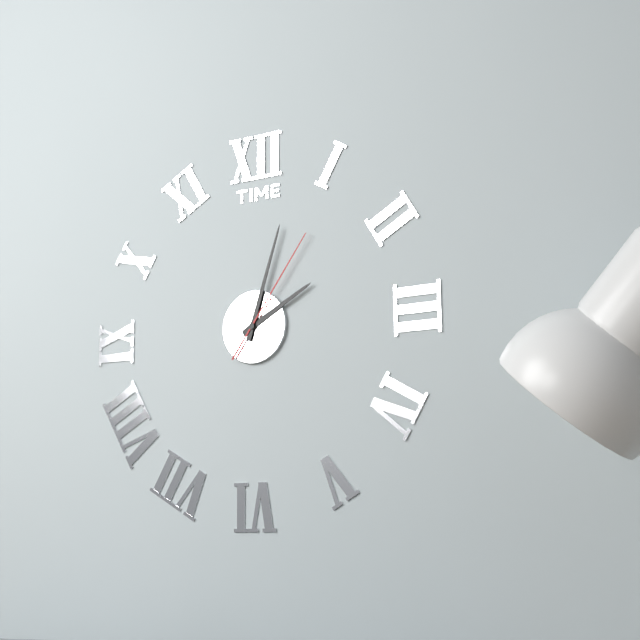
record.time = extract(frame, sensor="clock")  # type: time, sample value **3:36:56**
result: **2:03:06**
